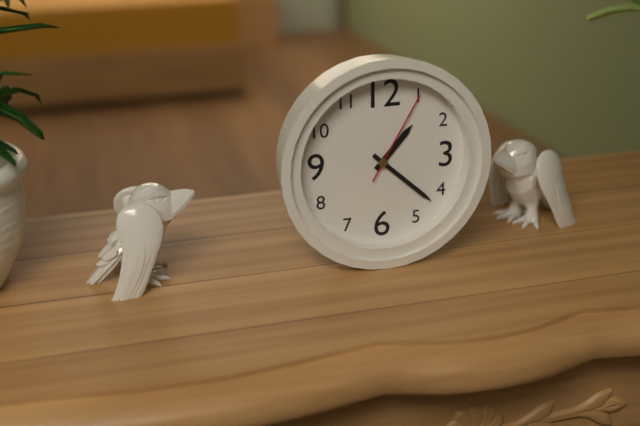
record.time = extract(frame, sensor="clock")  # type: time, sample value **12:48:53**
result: **1:22:05**
